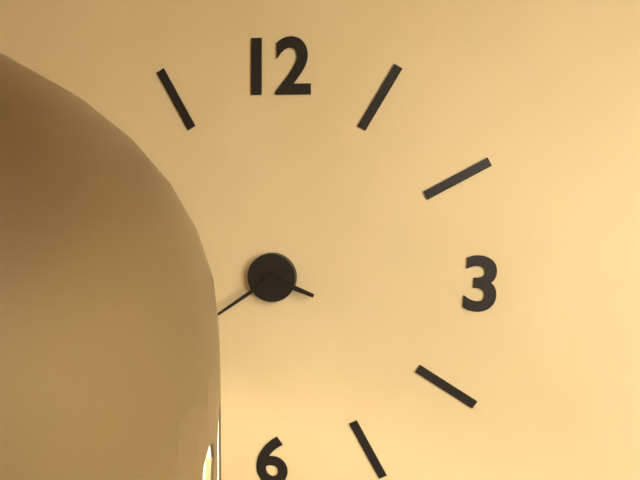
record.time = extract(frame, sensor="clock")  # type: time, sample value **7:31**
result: **3:39**
